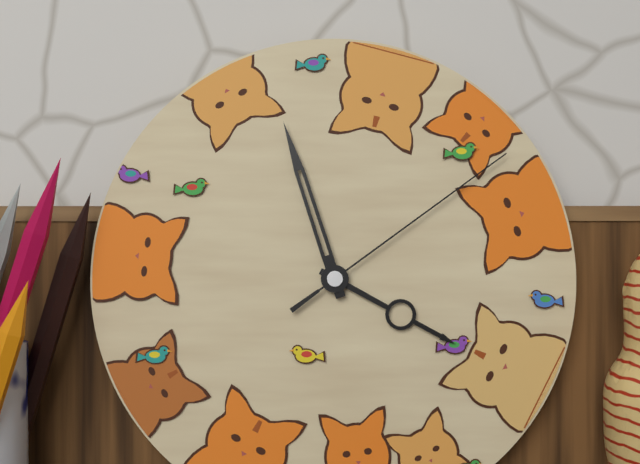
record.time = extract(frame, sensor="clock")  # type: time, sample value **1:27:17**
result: **3:57:09**
